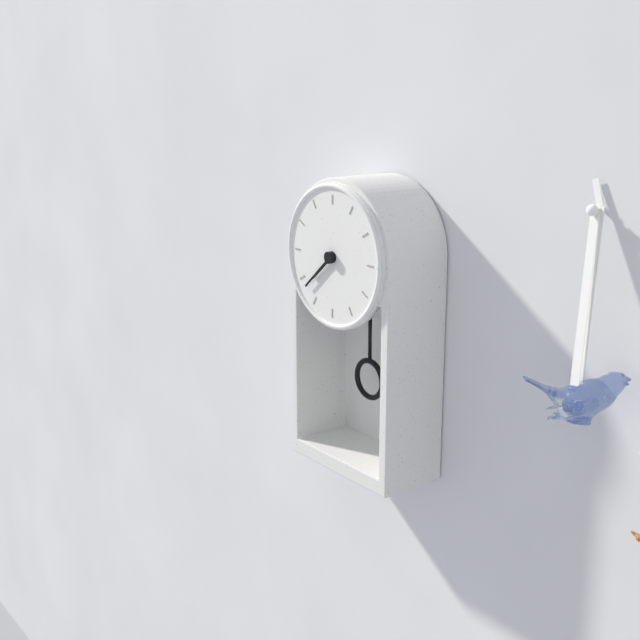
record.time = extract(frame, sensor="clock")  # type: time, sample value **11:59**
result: **7:38**
